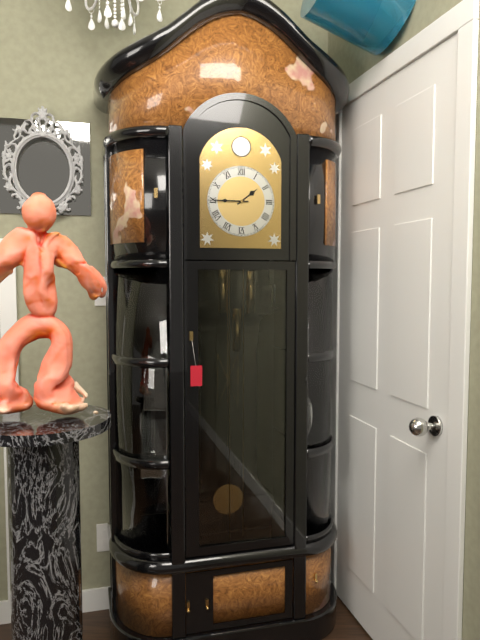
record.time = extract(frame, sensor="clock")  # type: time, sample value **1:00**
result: **1:45**
